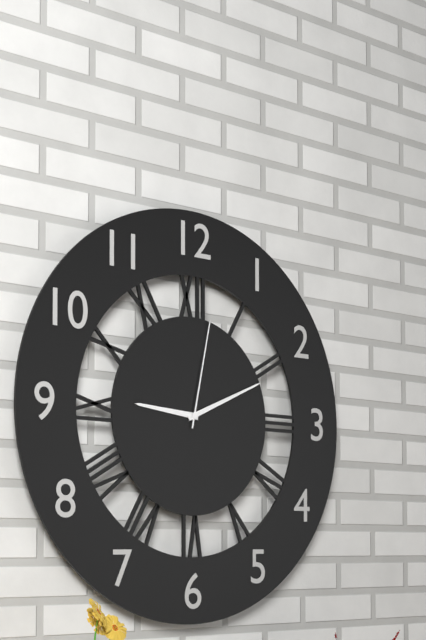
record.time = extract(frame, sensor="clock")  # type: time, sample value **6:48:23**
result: **9:11:02**
